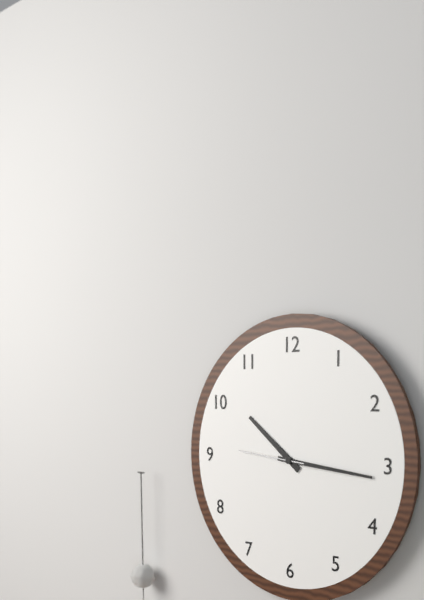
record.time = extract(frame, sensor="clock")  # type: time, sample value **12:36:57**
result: **10:16:46**
